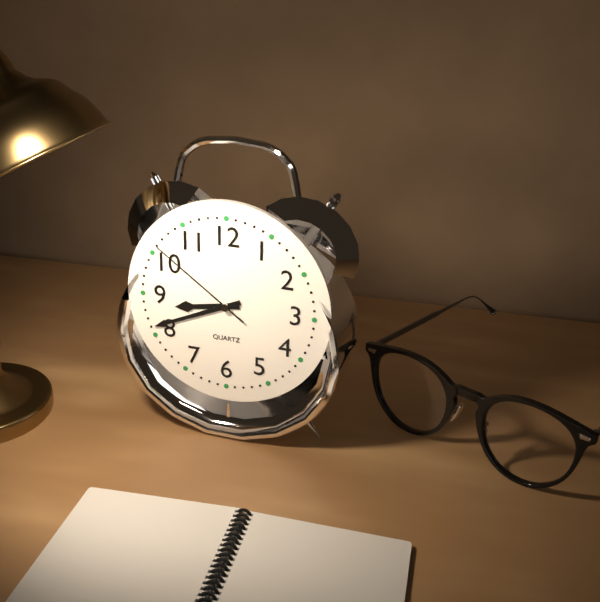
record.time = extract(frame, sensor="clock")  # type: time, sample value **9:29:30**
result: **8:41:51**
